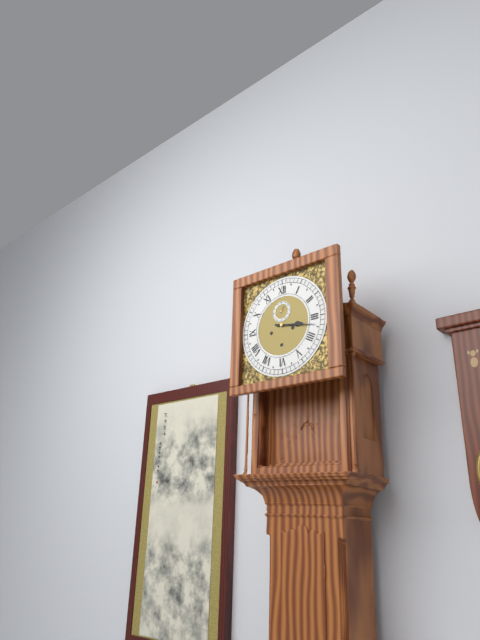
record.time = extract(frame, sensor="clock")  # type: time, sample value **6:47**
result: **3:17**
